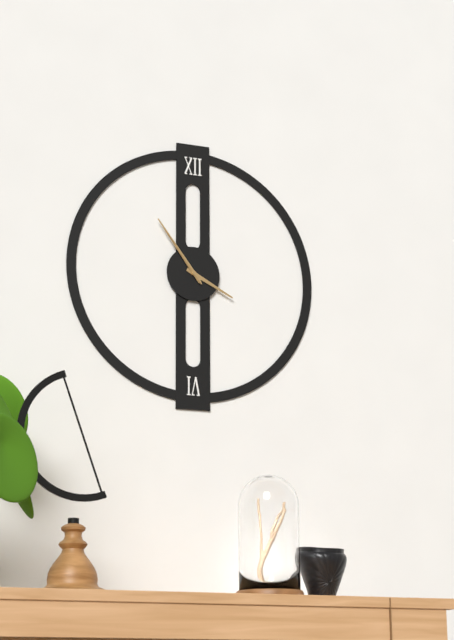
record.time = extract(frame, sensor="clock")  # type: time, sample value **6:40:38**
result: **3:54:54**
